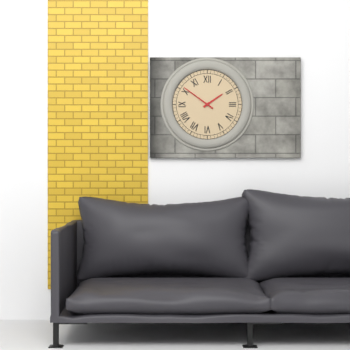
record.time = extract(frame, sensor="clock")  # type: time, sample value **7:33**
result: **1:51**
